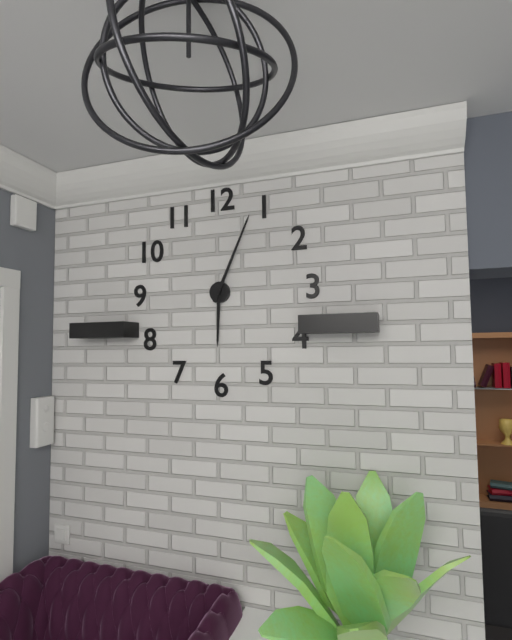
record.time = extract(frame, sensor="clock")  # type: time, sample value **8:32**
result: **6:04**
